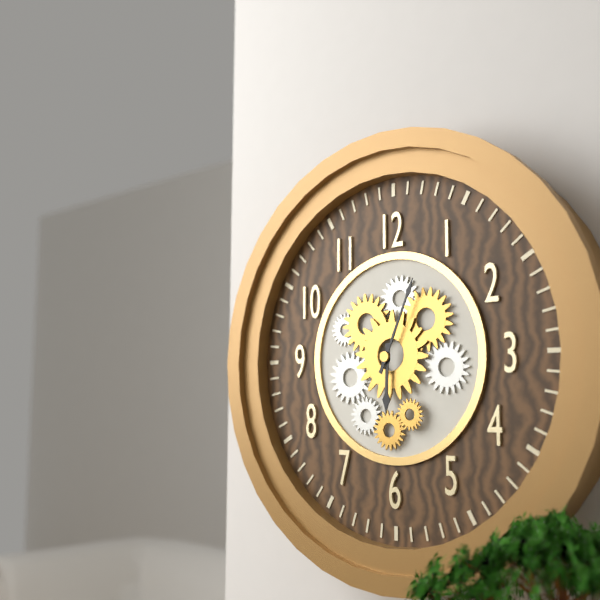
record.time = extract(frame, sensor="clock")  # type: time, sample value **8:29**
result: **6:04**
